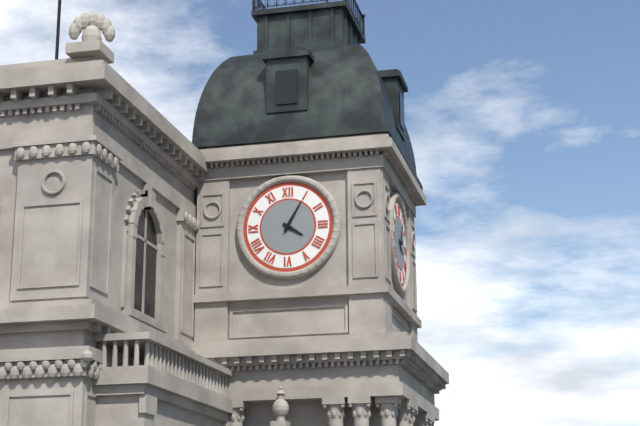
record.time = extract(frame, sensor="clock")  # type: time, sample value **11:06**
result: **4:05**
